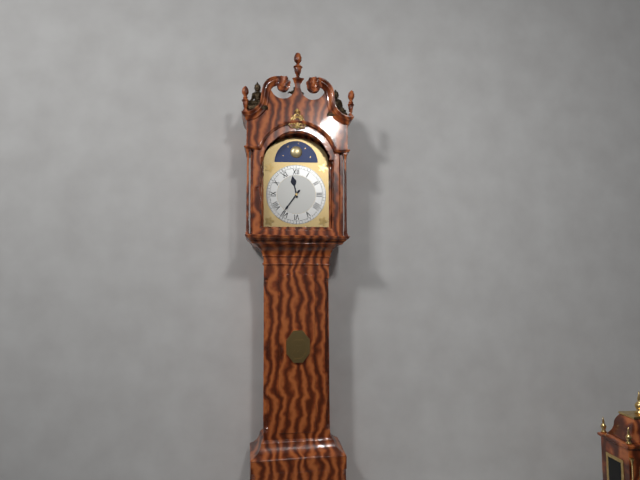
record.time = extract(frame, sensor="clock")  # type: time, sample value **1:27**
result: **11:36**
